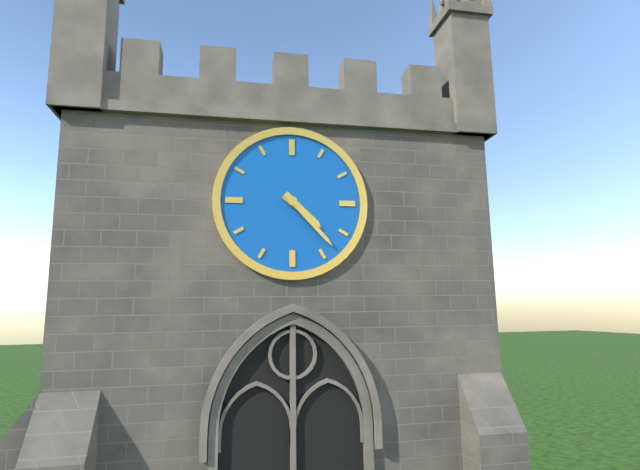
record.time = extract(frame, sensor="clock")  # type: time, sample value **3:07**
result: **4:23**
